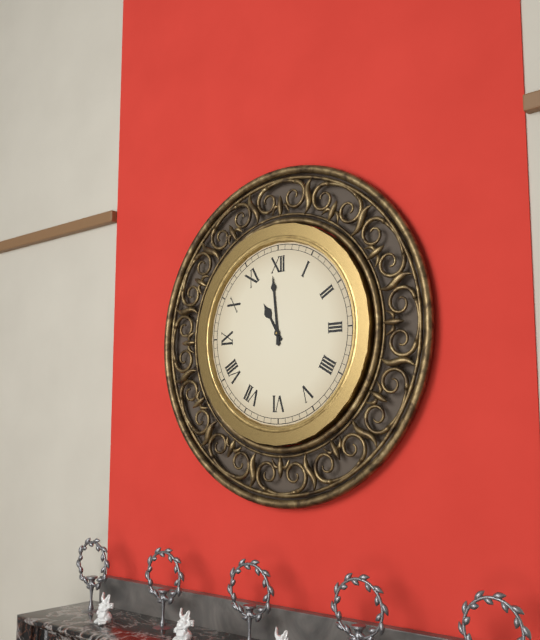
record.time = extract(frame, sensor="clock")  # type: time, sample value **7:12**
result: **10:59**
